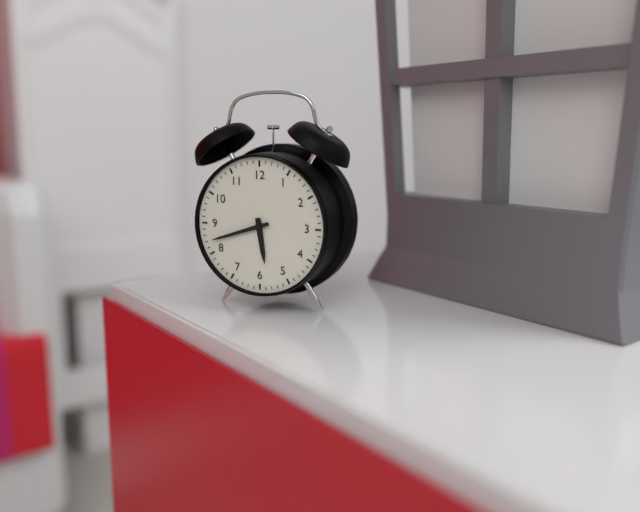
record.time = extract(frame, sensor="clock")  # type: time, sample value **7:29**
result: **5:42**
